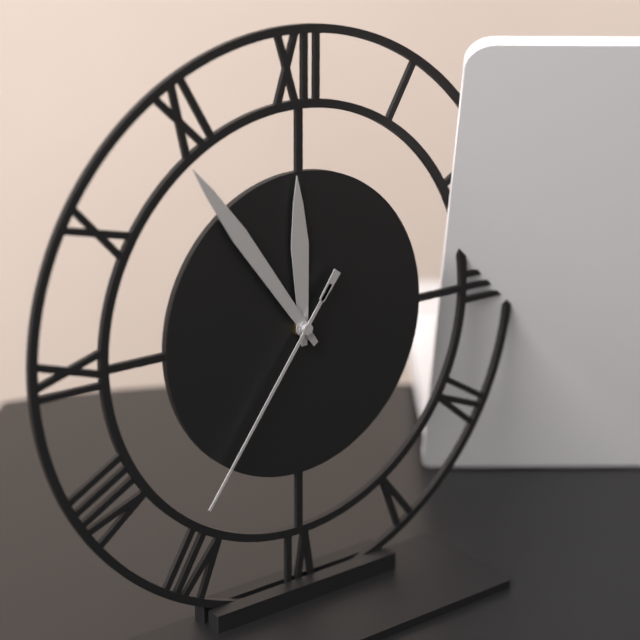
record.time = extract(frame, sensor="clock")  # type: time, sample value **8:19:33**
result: **11:54:36**
